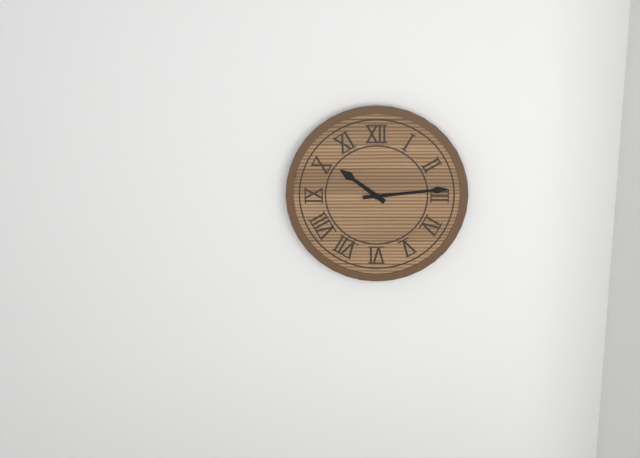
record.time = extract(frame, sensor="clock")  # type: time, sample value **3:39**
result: **10:14**
